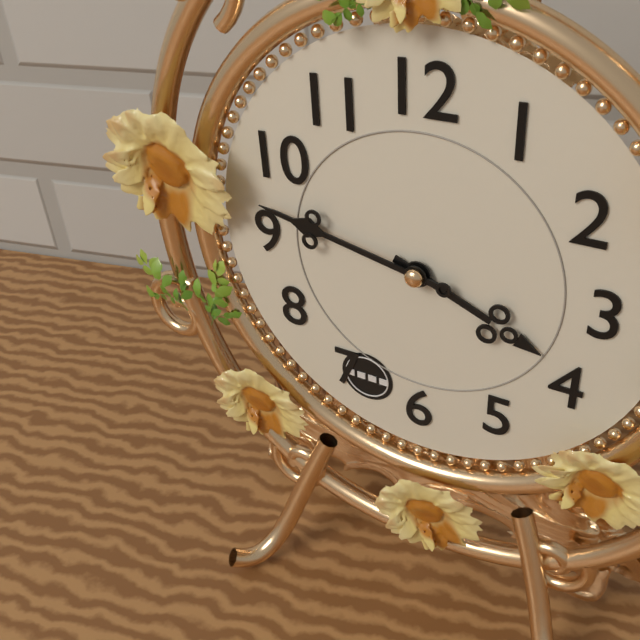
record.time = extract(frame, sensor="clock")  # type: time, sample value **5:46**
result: **3:47**
